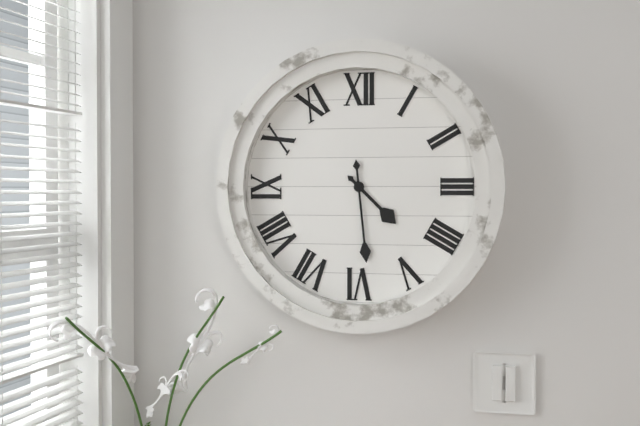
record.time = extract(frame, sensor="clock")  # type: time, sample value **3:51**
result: **4:29**
